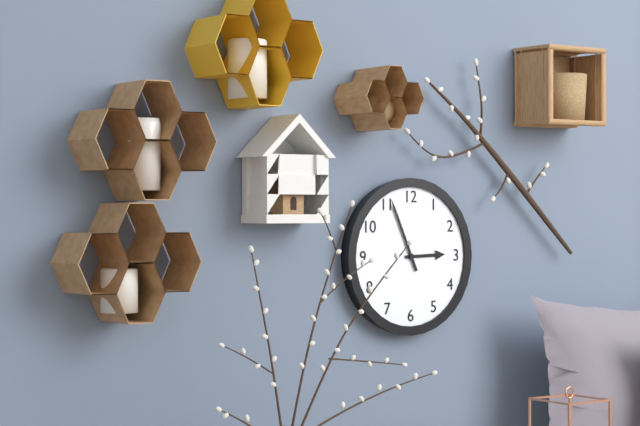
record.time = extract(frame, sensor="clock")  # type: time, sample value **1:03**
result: **2:56**
